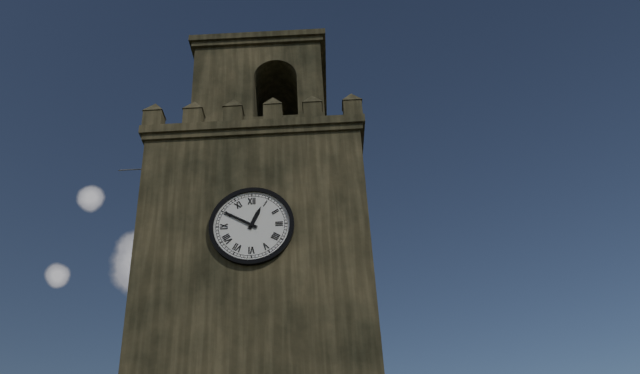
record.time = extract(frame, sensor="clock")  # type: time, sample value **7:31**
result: **12:50**
